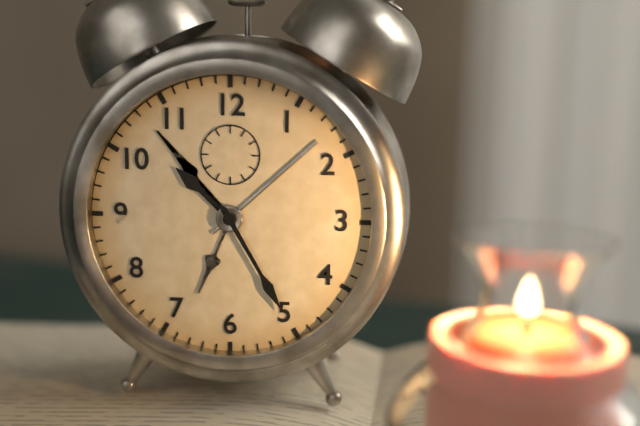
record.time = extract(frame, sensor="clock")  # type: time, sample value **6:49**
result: **10:25**
